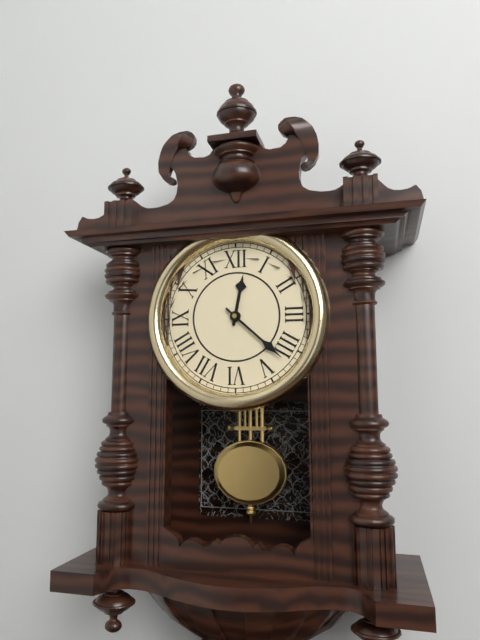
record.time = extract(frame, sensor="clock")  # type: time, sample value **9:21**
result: **12:22**
